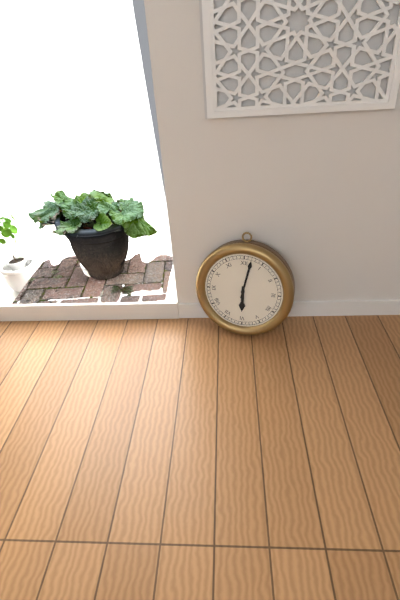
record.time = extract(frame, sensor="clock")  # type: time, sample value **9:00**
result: **6:02**
